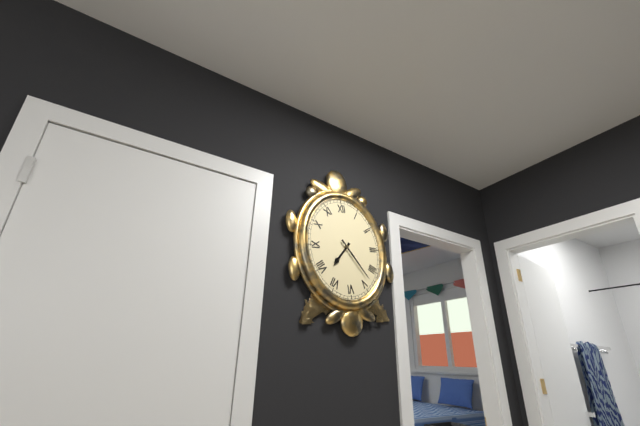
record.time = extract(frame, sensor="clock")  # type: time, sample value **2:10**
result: **7:24**
